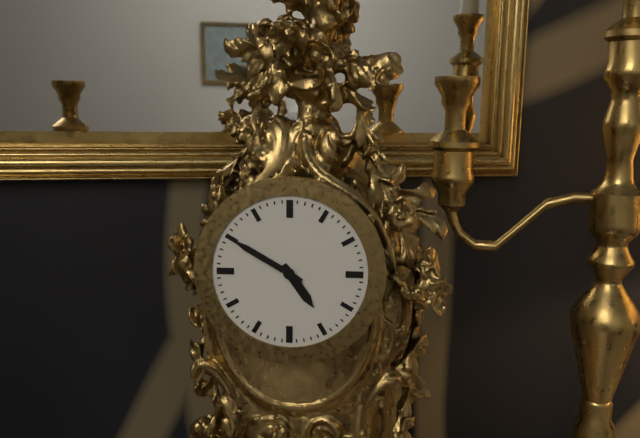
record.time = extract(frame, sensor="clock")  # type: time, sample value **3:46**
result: **4:50**
